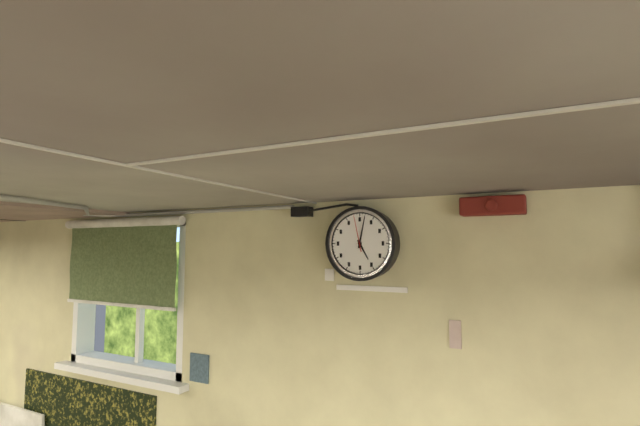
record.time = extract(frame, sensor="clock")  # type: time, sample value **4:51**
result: **5:02**
